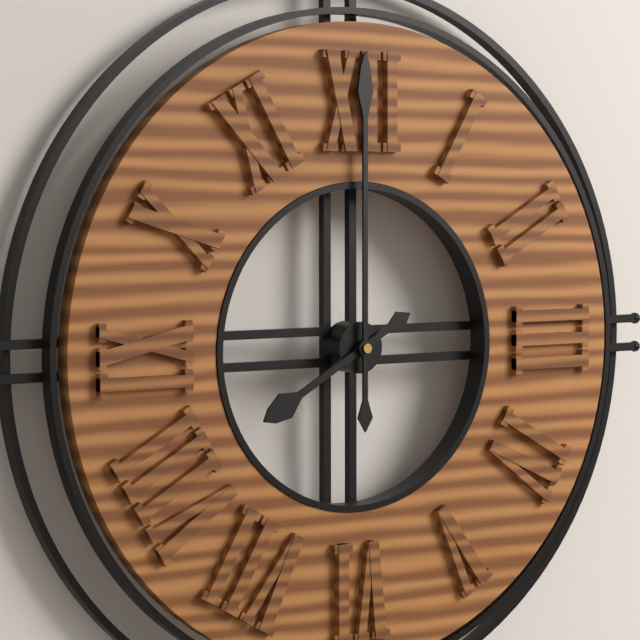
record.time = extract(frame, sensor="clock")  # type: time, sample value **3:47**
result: **8:00**
